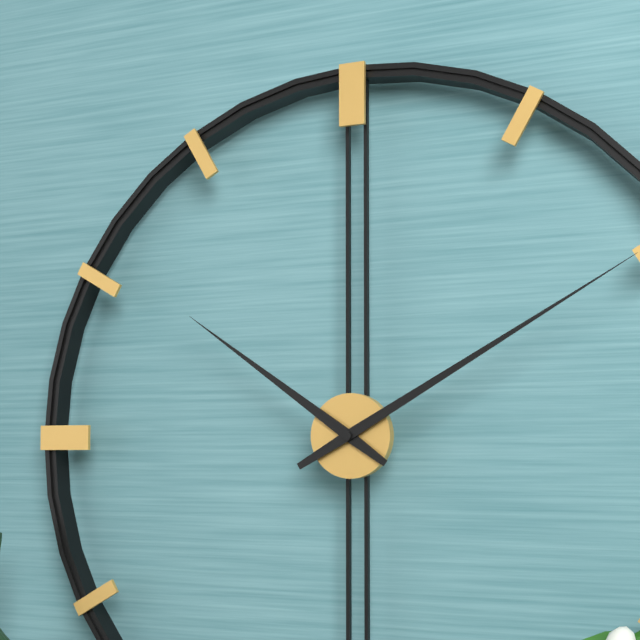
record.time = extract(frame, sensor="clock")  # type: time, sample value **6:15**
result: **10:10**
